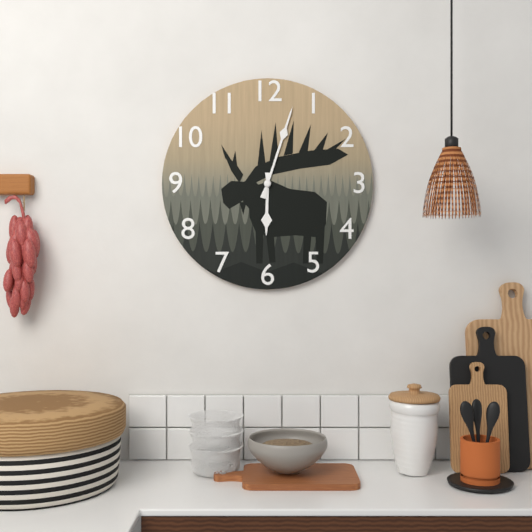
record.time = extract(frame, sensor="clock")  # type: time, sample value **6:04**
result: **6:03**
